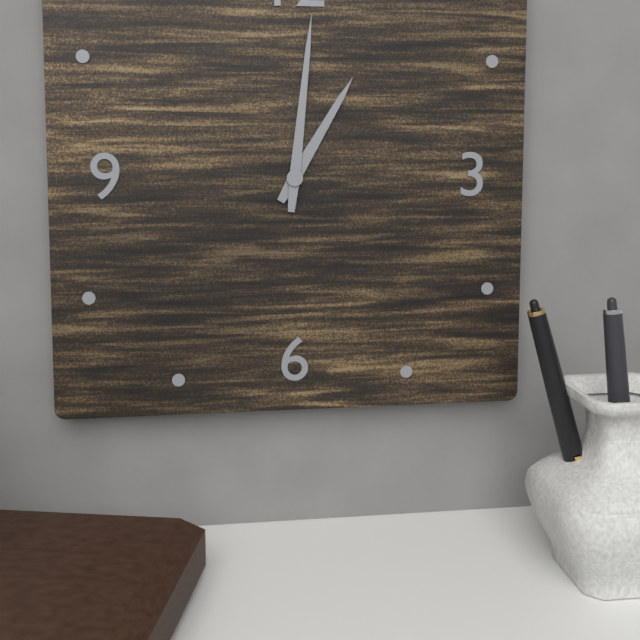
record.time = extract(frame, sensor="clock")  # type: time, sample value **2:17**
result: **1:01**
